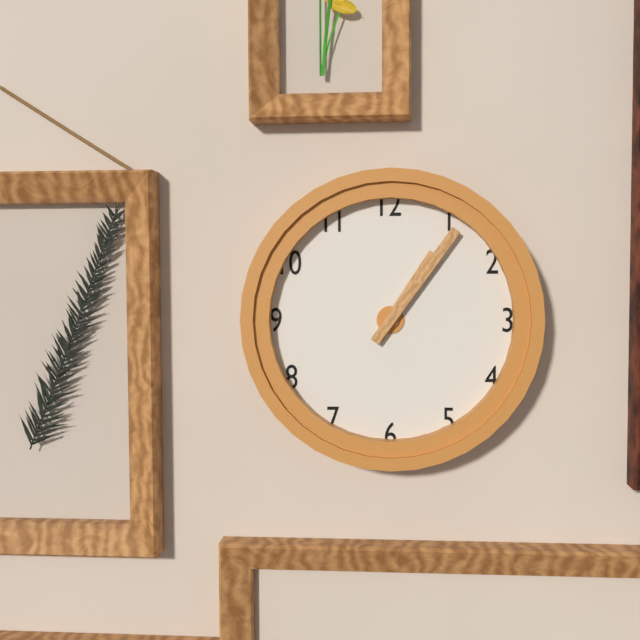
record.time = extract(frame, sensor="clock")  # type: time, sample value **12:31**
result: **1:06**
